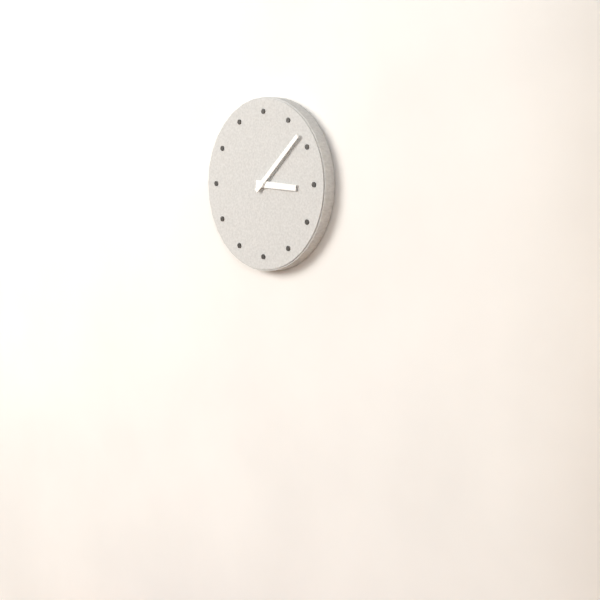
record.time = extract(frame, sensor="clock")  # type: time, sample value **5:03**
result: **3:08**
